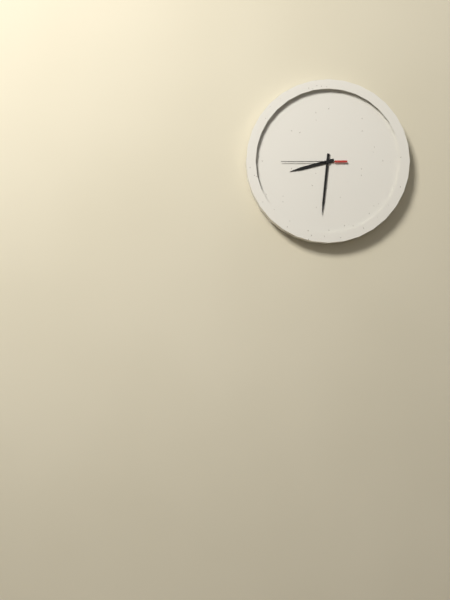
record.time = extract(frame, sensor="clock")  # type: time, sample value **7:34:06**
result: **8:31:45**
